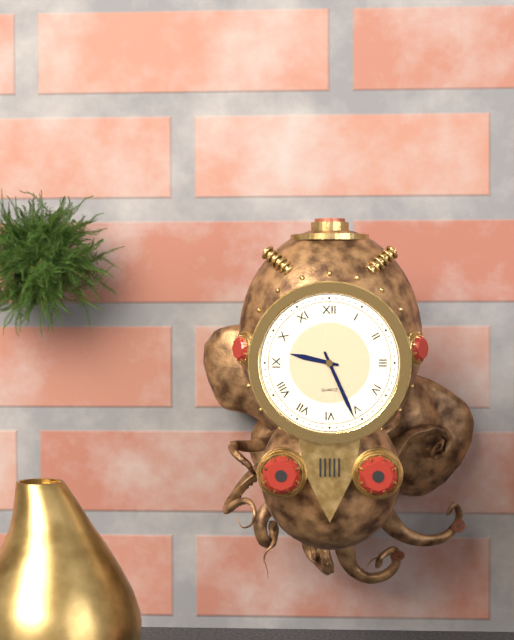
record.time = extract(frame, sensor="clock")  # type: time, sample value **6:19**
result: **9:26**
